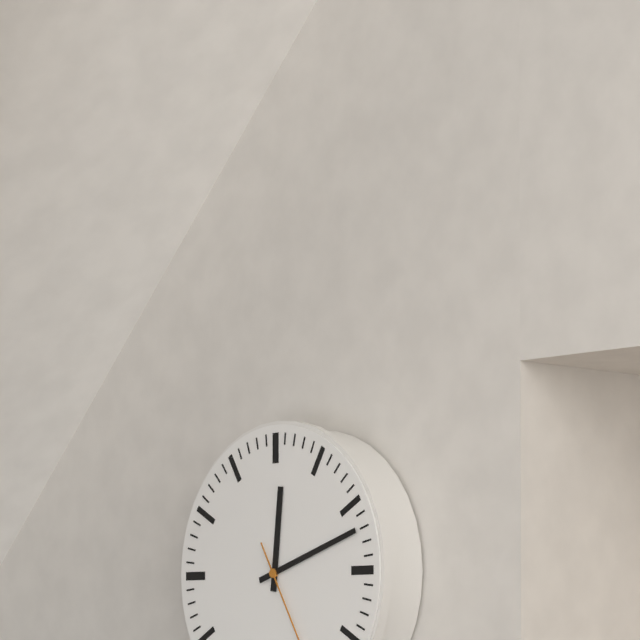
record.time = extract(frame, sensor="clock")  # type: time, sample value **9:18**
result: **12:12**
